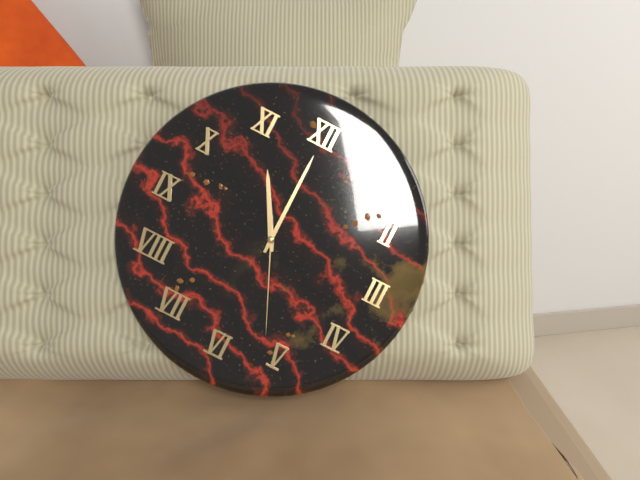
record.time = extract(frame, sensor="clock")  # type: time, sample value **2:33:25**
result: **11:00:26**
